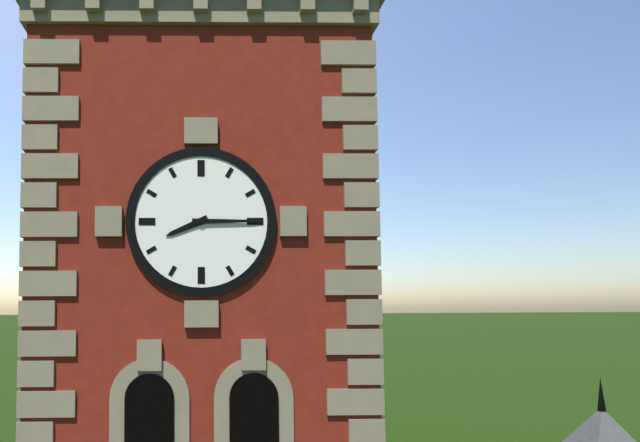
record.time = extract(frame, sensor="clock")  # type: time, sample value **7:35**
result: **8:15**
